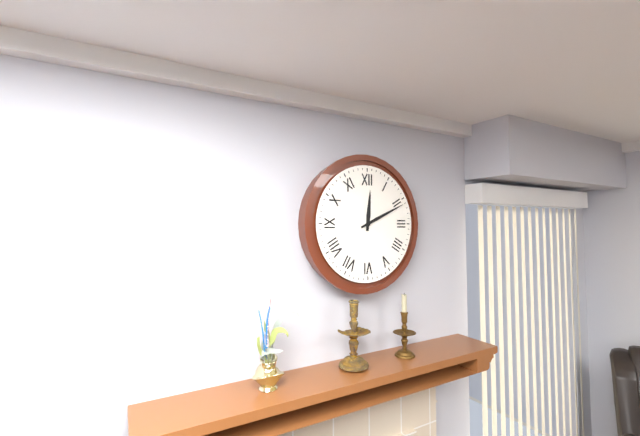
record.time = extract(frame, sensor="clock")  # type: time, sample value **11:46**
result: **12:11**
